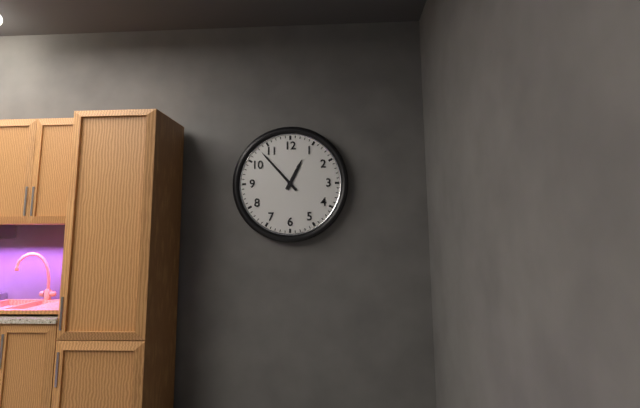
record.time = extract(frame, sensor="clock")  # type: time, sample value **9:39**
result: **12:53**
